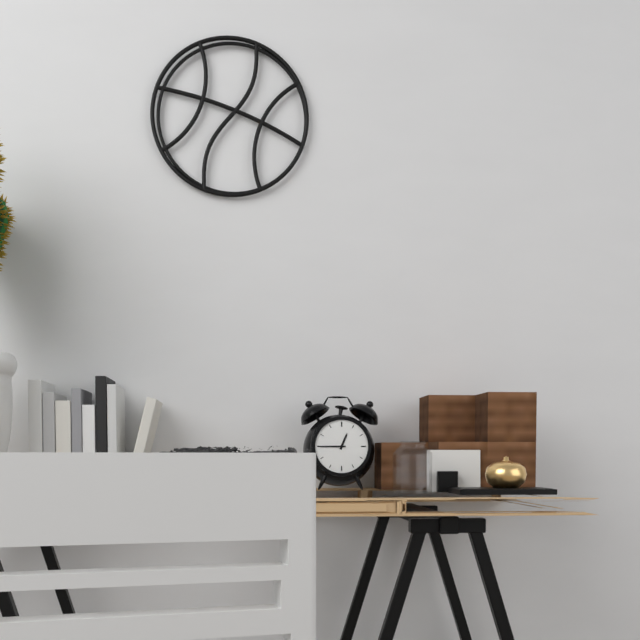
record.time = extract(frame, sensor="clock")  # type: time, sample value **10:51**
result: **12:45**
